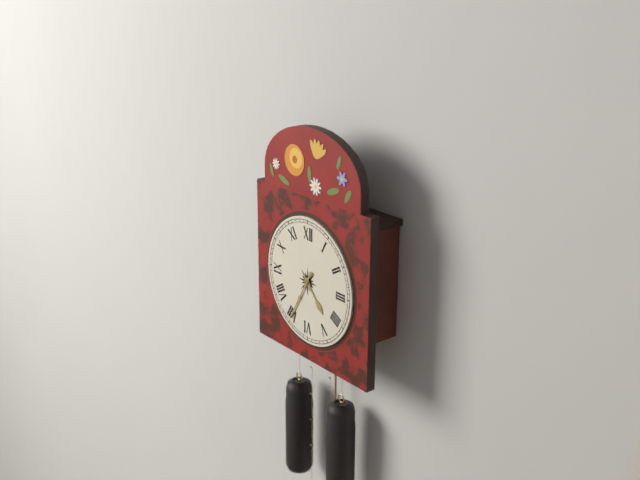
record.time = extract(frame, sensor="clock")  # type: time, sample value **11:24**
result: **4:35**
